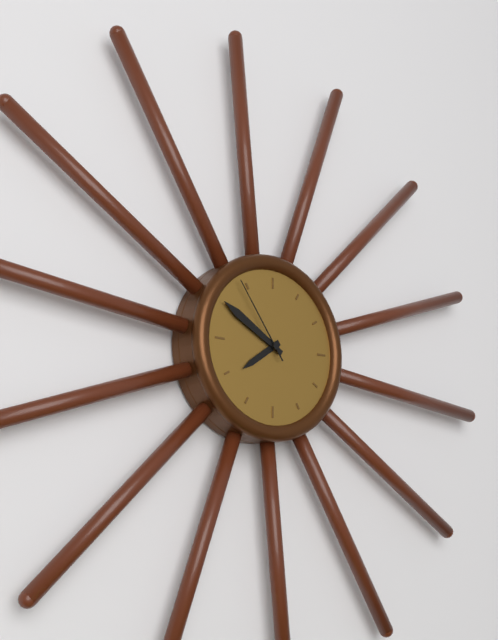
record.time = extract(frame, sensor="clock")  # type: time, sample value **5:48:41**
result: **7:50:54**
